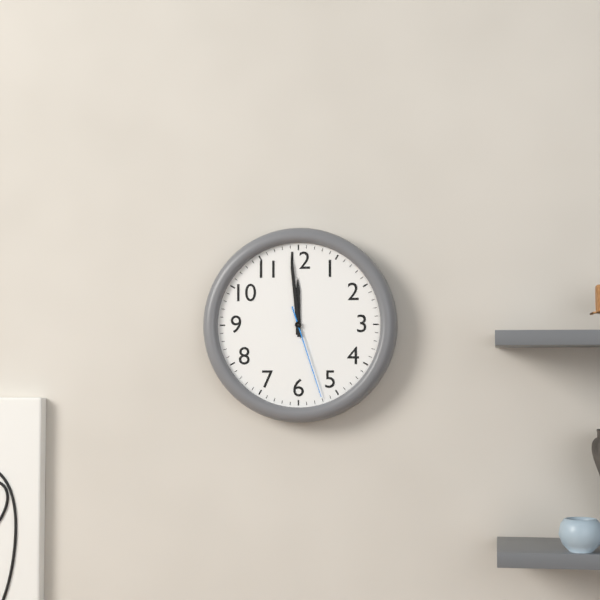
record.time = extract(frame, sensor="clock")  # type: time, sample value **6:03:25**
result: **11:59:27**
